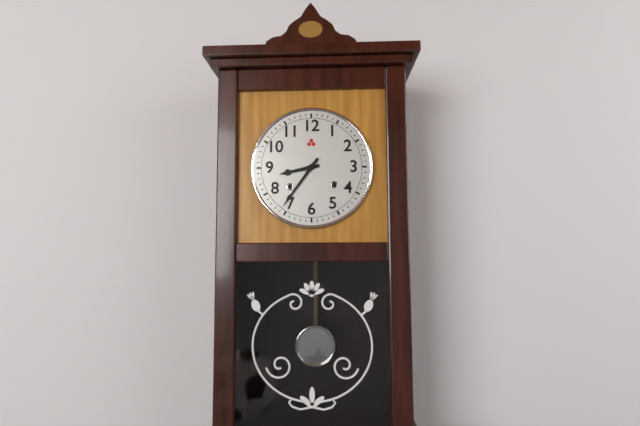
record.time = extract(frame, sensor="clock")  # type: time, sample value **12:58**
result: **8:36**
